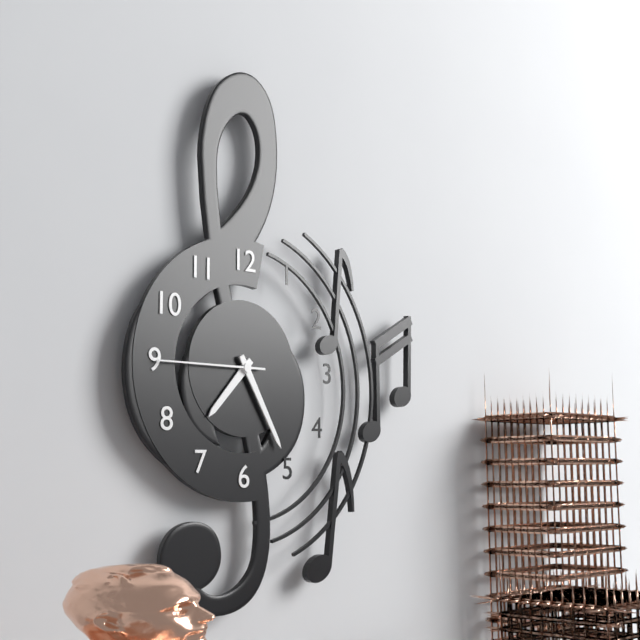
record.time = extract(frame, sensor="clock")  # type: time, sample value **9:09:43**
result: **7:25:45**
